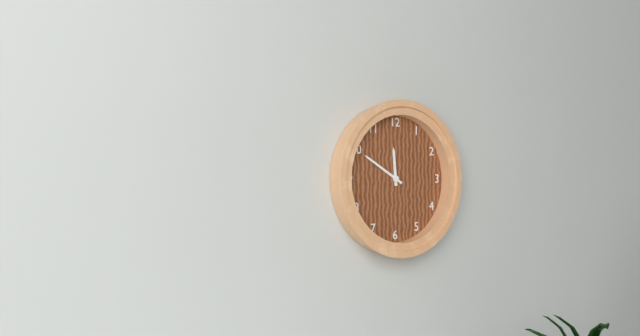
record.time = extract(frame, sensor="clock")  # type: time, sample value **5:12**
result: **11:50**
